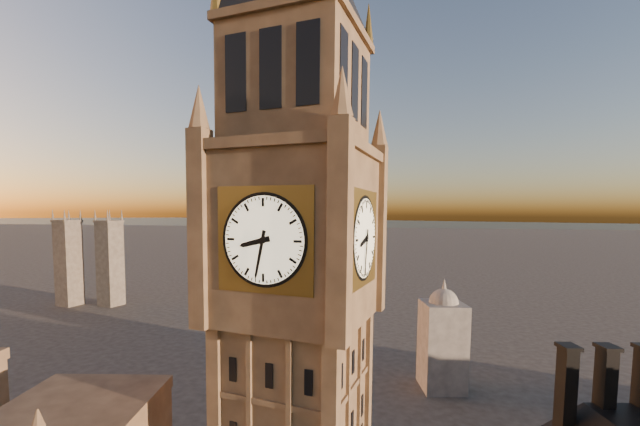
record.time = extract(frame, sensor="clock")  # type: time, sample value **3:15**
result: **8:32**
